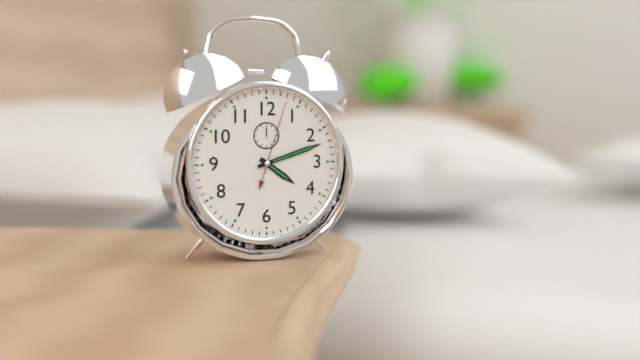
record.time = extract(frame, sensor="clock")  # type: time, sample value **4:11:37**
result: **4:12:03**
